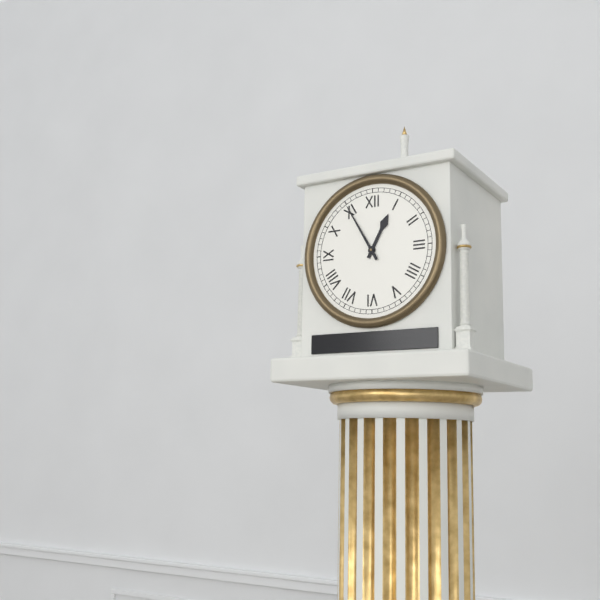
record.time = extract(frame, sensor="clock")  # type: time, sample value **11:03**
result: **12:55**
